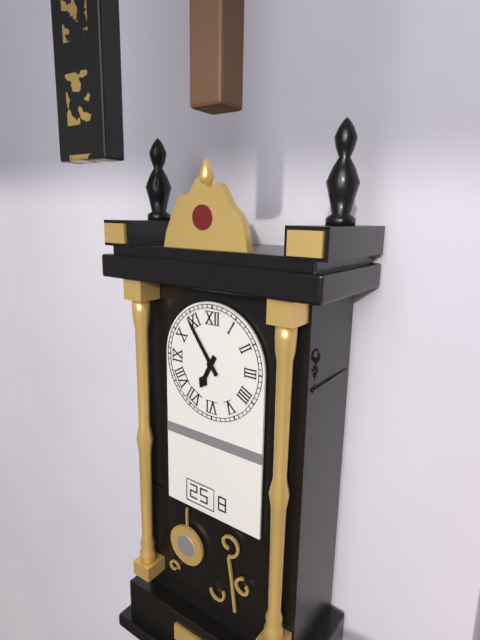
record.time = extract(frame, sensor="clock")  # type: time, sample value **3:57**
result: **6:54**
